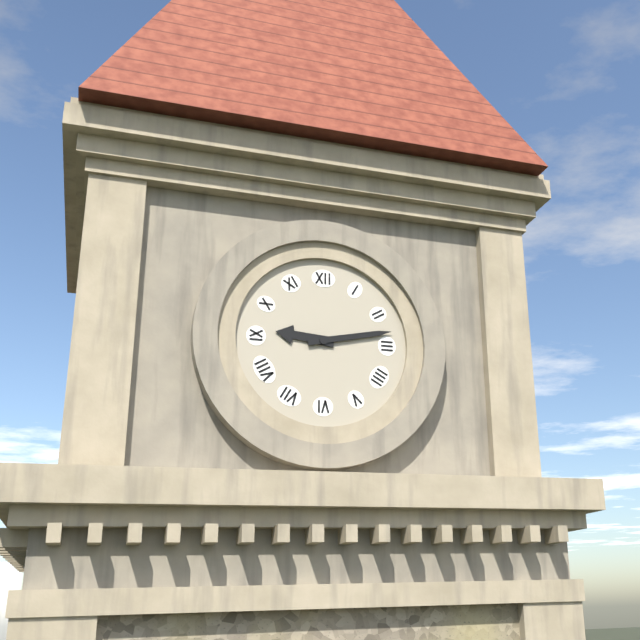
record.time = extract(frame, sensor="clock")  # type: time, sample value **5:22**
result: **9:13**
